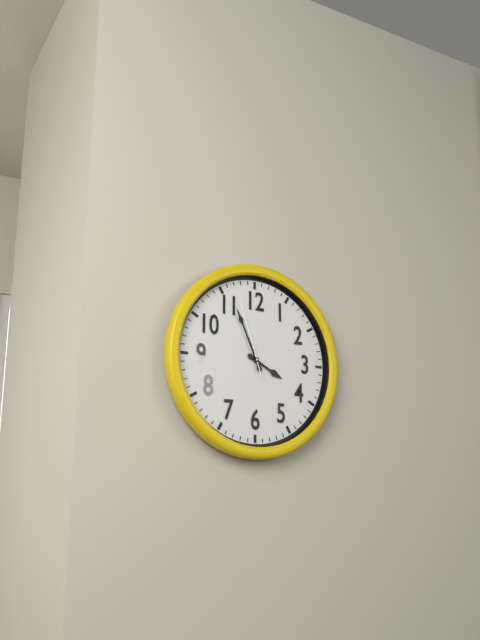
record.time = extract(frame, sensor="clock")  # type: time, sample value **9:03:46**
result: **3:56:57**
